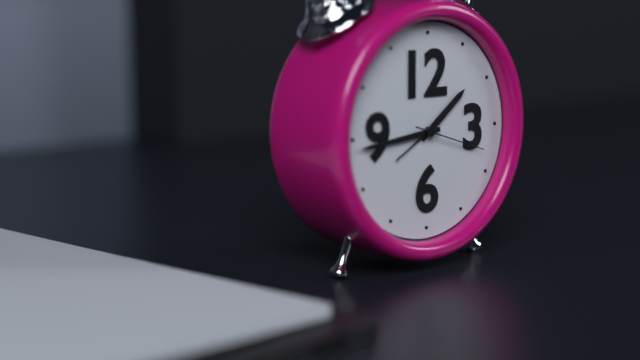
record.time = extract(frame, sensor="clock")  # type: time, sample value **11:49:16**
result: **1:44:18**
